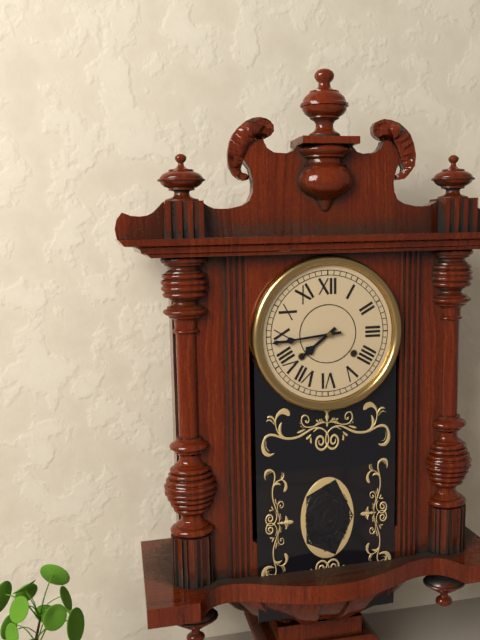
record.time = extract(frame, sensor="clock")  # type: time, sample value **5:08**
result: **7:44**
